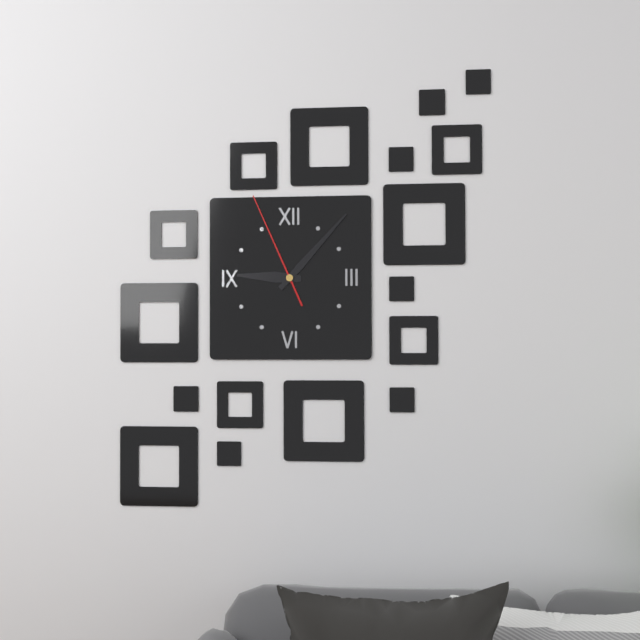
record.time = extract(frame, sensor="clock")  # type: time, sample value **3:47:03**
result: **9:07:56**
